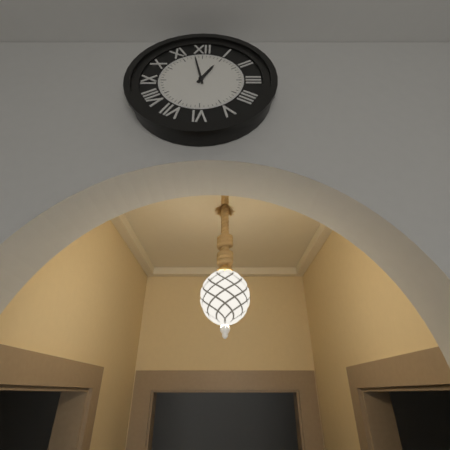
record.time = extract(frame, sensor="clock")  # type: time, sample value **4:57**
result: **12:58**
